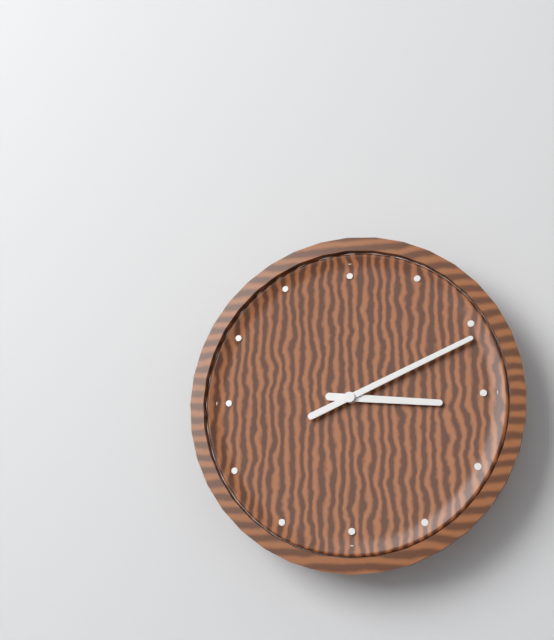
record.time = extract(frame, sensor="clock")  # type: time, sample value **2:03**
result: **3:11**
